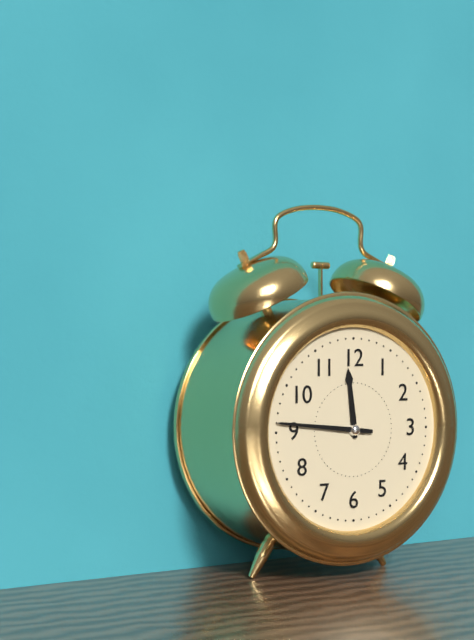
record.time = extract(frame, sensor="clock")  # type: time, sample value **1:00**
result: **11:46**
